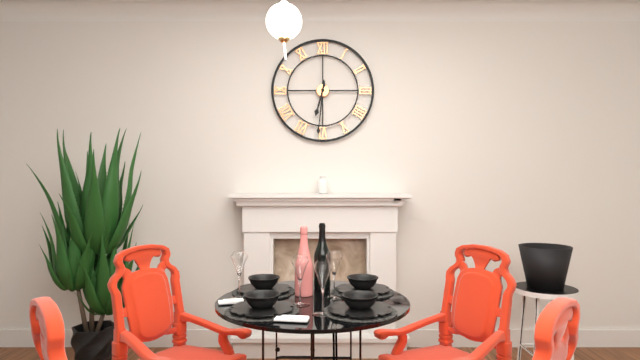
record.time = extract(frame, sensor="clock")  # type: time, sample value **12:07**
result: **6:31**
